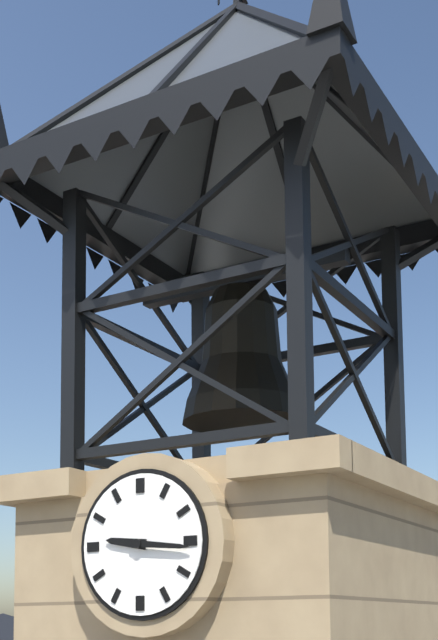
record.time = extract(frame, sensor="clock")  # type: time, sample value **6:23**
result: **9:16**
